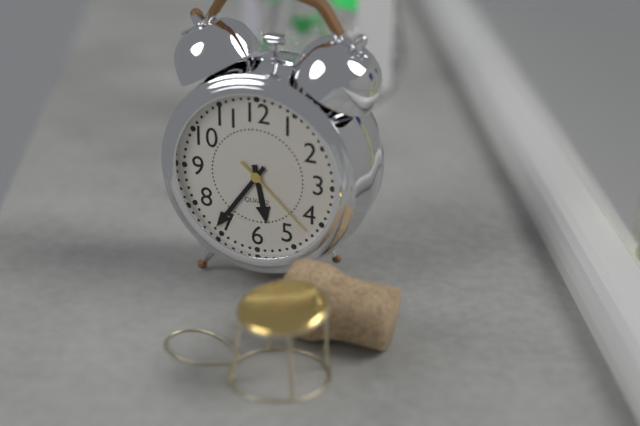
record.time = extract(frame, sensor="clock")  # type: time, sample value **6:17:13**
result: **5:36:22**
